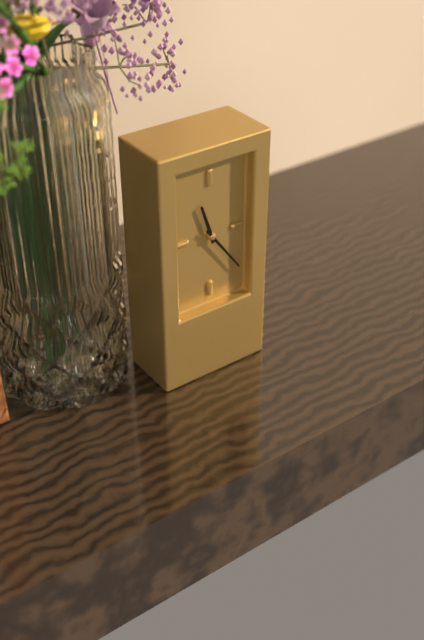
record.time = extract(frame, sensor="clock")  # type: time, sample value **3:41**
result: **11:24**
